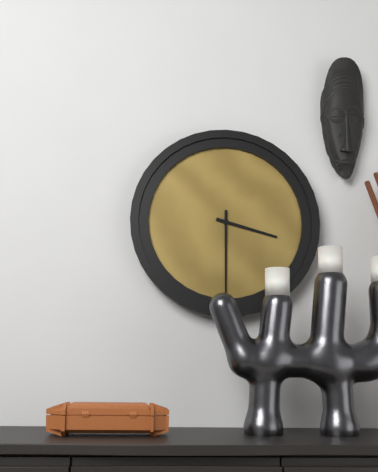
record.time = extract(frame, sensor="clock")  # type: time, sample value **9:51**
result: **3:30**
